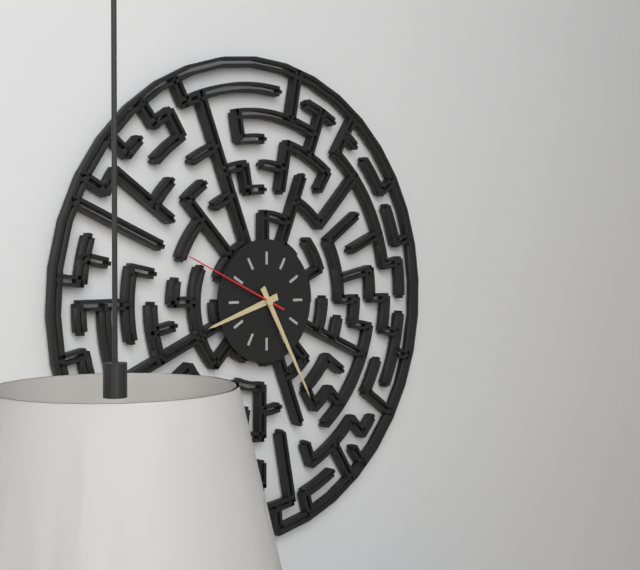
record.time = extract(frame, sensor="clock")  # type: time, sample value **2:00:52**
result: **8:25:49**
